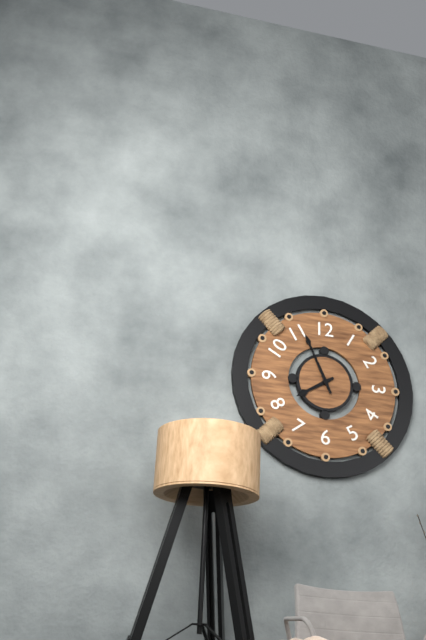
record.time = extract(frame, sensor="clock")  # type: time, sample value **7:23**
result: **7:56**
